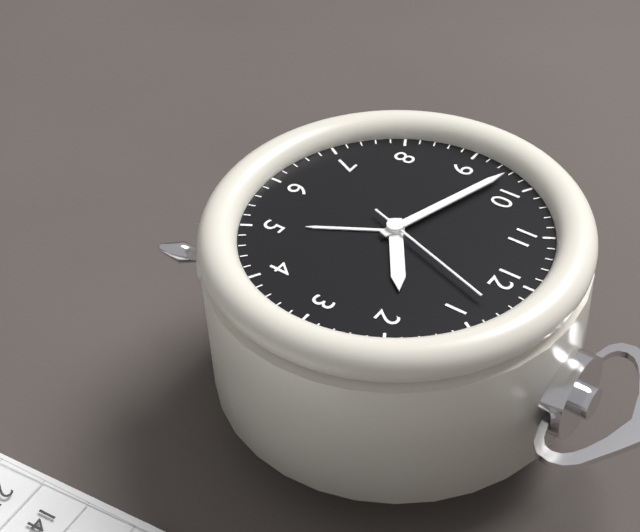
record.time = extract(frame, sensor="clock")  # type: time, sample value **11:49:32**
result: **1:48:03**
